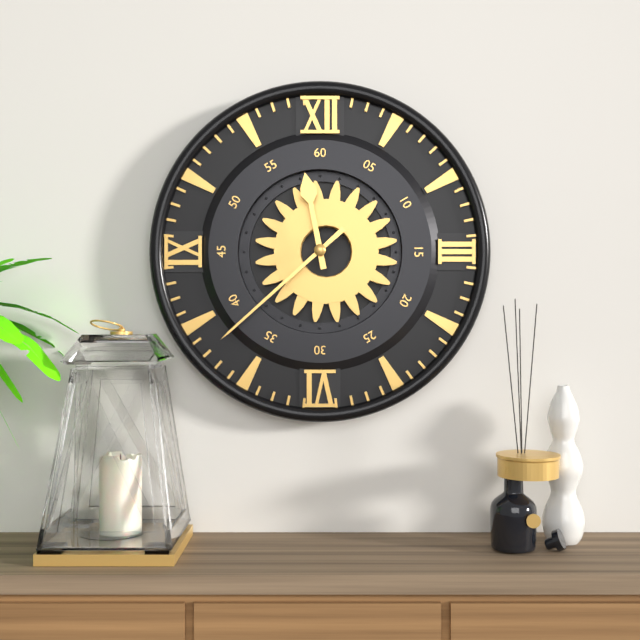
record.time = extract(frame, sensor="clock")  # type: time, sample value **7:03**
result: **11:38**
